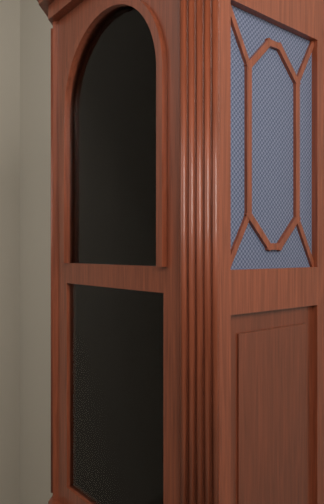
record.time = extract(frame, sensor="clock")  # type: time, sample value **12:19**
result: **12:56**
